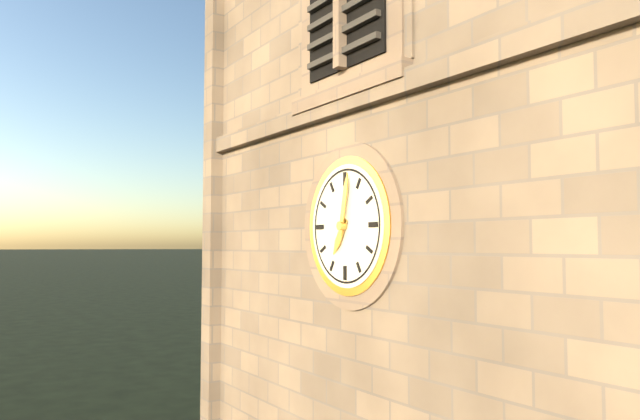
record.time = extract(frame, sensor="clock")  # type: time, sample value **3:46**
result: **7:02**
